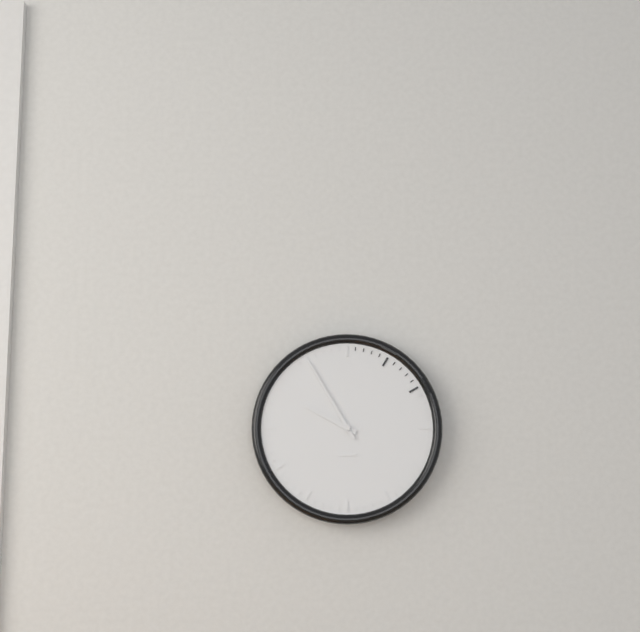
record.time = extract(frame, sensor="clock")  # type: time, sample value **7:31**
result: **9:55**
